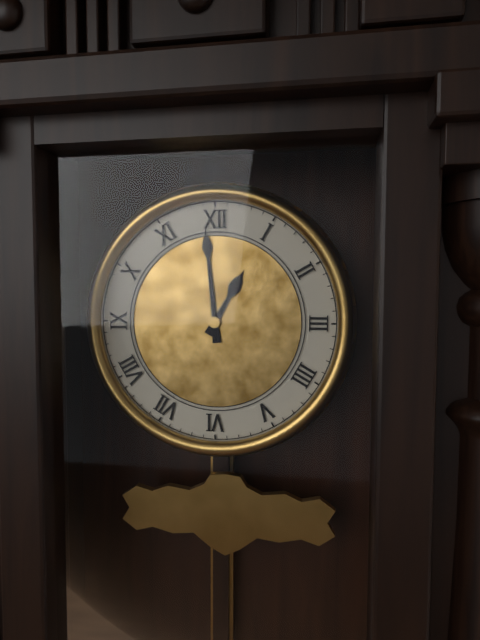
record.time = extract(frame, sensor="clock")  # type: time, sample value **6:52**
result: **12:59**
